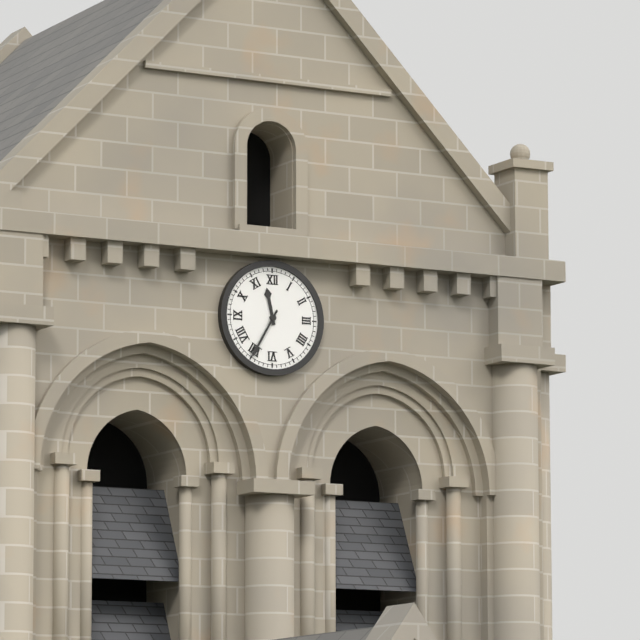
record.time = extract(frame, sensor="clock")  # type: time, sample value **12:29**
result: **11:35**
